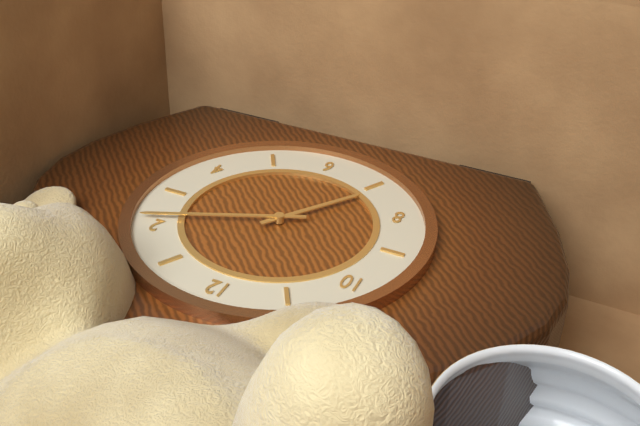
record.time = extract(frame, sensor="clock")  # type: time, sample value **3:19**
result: **7:11**
